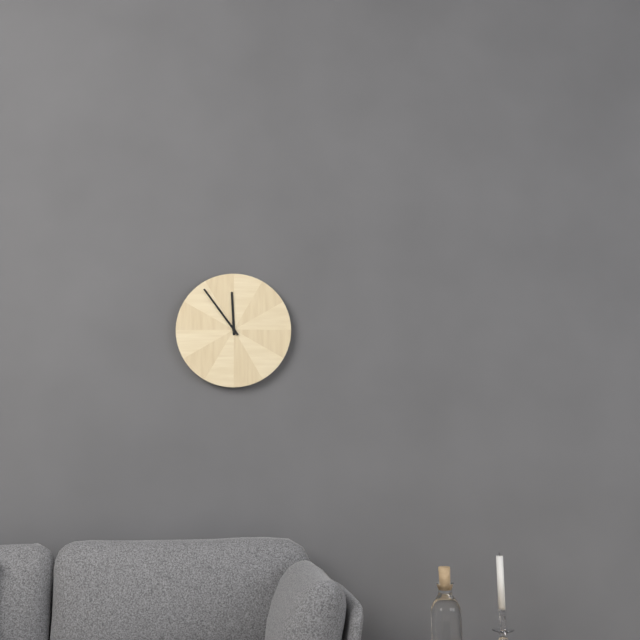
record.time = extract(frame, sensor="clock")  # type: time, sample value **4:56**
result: **11:54**
